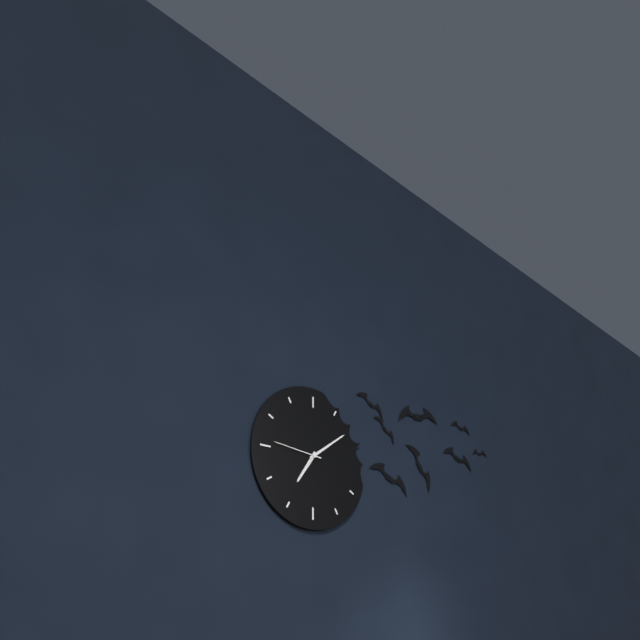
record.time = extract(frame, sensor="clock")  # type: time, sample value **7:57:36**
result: **7:09:46**
